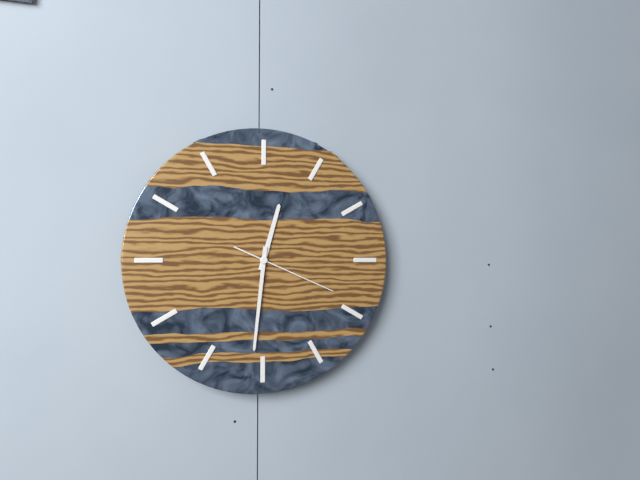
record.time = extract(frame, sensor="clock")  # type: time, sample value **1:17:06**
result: **12:31:19**
